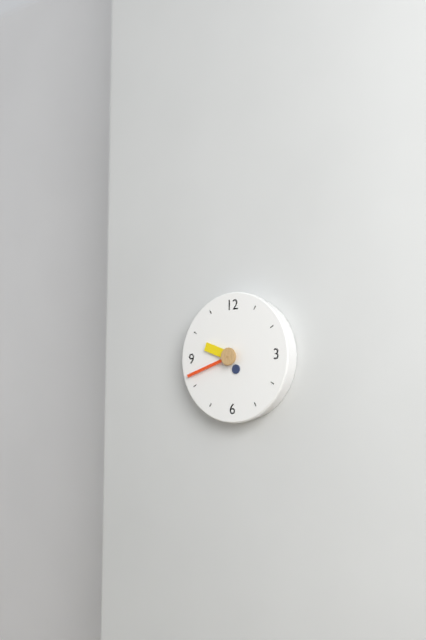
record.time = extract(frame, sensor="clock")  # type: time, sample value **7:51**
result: **9:42**
